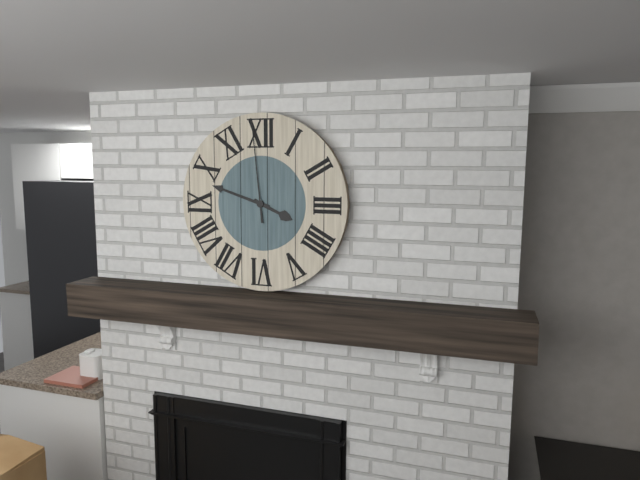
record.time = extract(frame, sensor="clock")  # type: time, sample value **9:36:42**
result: **3:48:59**
